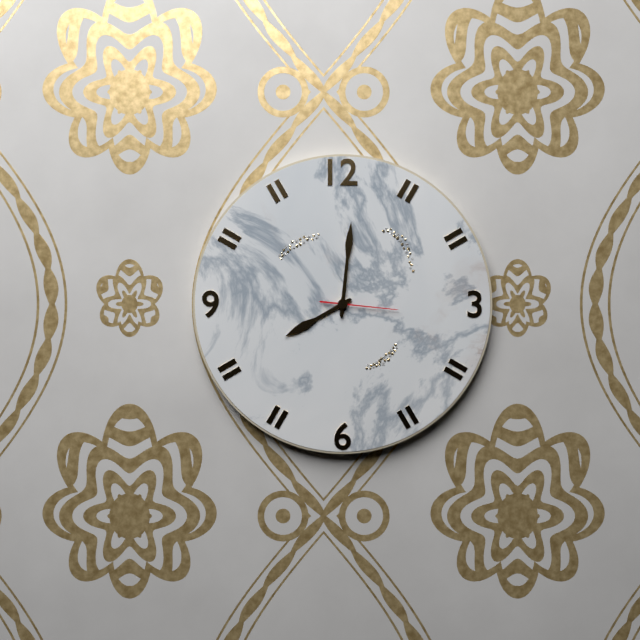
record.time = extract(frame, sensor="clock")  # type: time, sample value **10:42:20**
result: **8:01:16**
